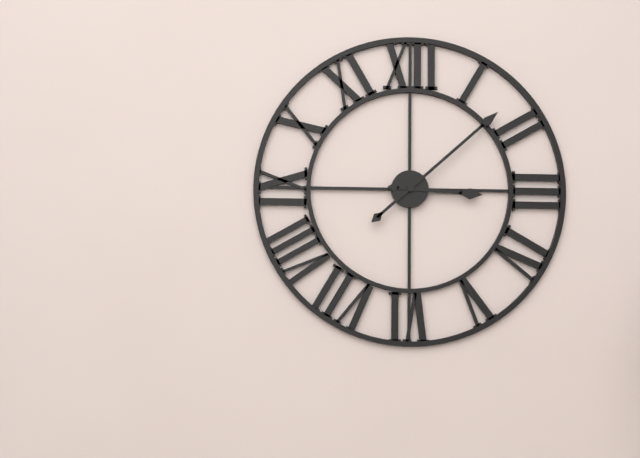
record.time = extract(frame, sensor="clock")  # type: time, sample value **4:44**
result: **3:08**
